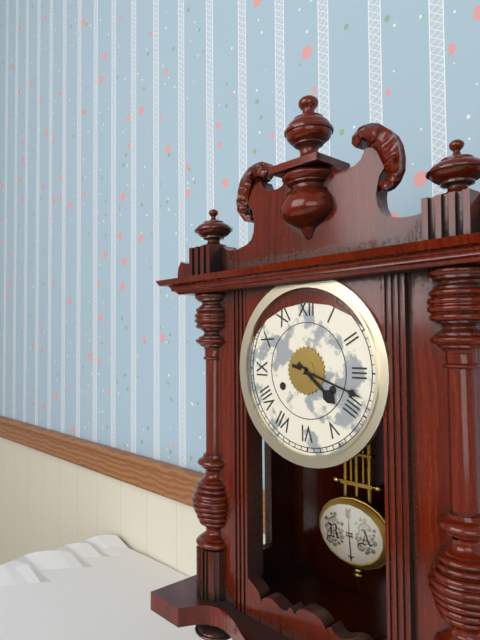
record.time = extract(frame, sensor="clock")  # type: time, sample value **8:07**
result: **4:18**
